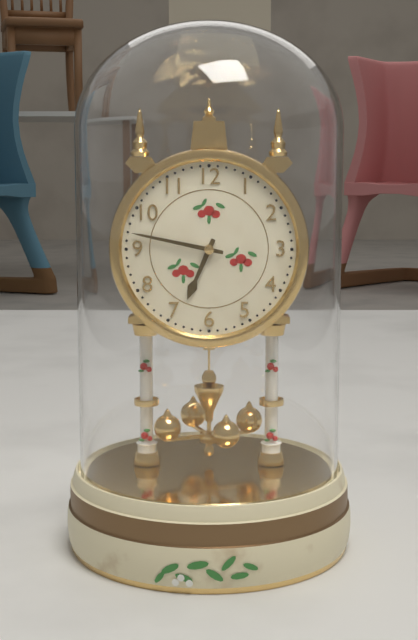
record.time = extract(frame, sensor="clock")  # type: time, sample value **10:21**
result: **6:47**
